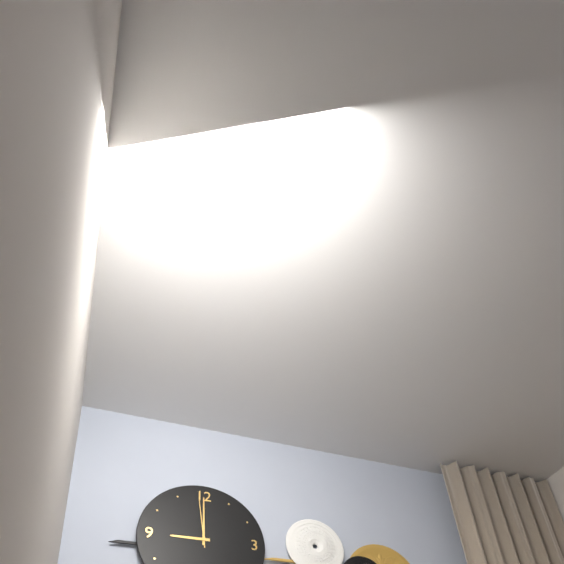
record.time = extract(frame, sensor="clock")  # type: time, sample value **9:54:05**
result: **9:00:59**
